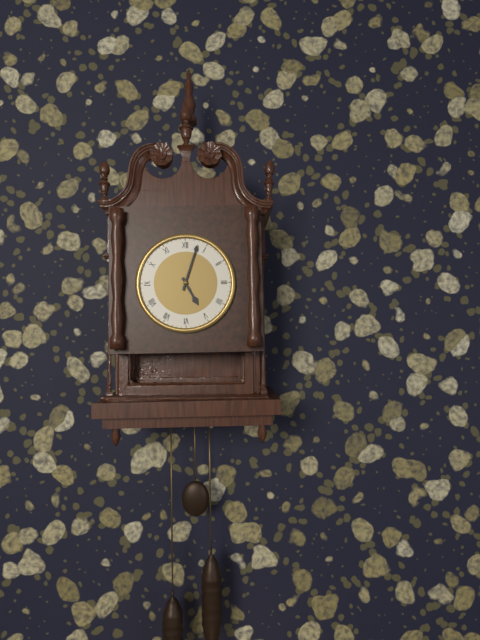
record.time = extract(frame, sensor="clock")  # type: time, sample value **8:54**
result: **5:03**
